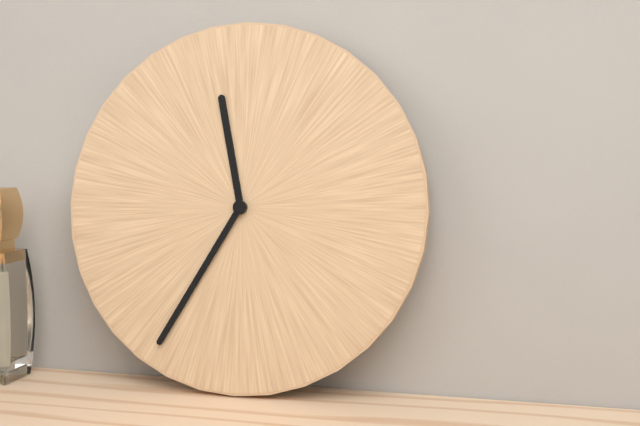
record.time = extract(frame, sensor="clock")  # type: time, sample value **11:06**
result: **11:35**
